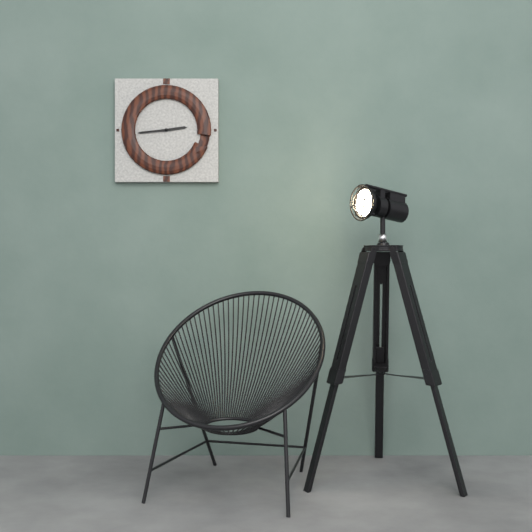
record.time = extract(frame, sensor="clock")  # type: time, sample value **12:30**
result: **2:44**
